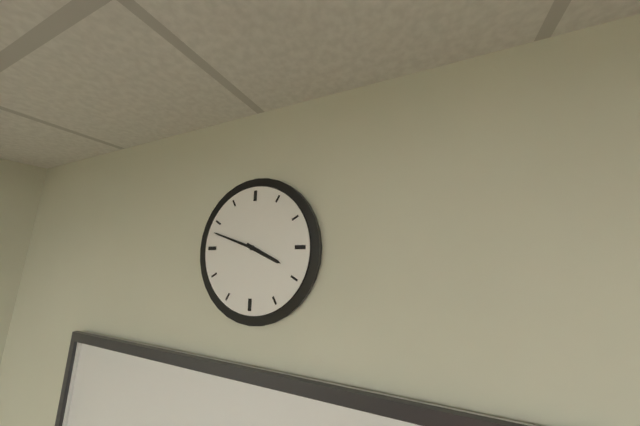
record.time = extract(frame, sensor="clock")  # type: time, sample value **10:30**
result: **3:48**
